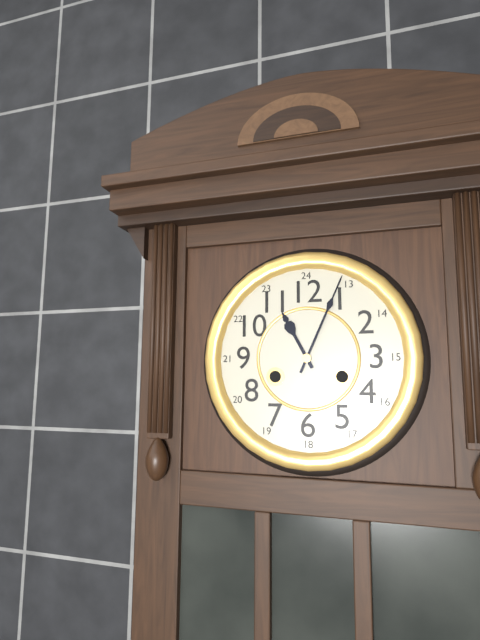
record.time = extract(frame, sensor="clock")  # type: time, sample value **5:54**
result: **11:04**
